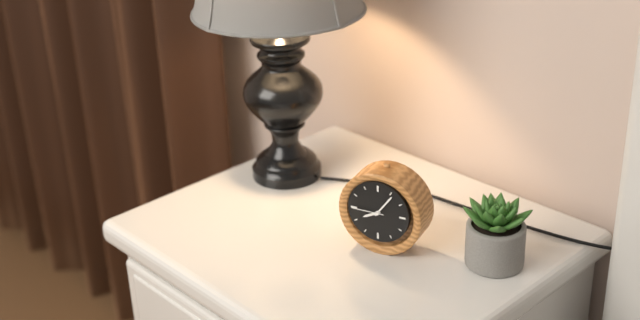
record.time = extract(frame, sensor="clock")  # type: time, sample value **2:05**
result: **8:06**
